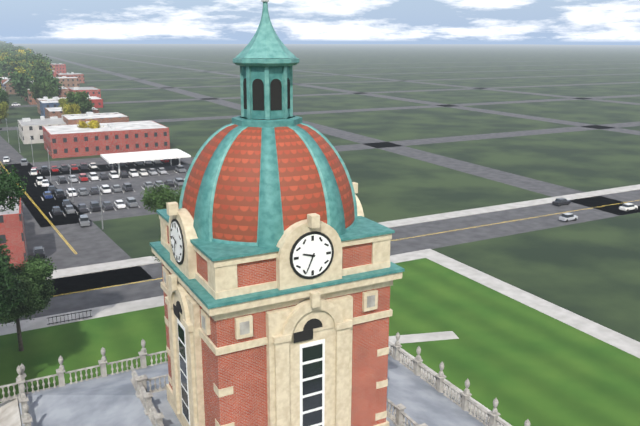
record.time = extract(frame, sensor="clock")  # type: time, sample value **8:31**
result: **9:34**
